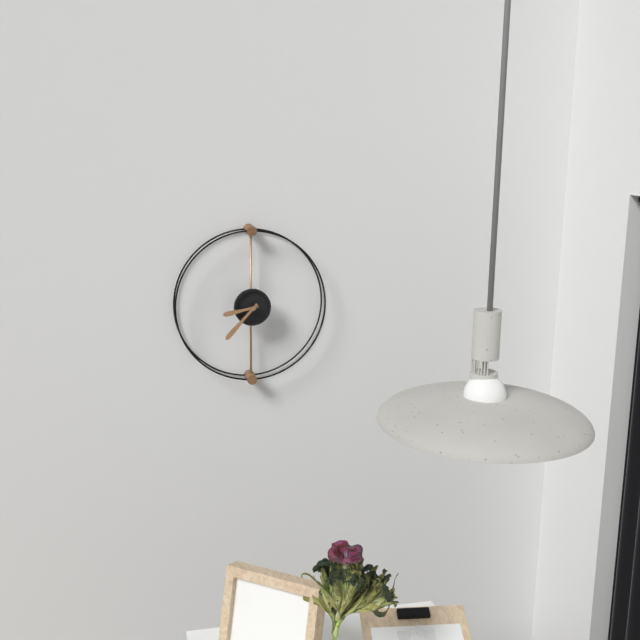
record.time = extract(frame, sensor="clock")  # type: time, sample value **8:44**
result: **8:37**
